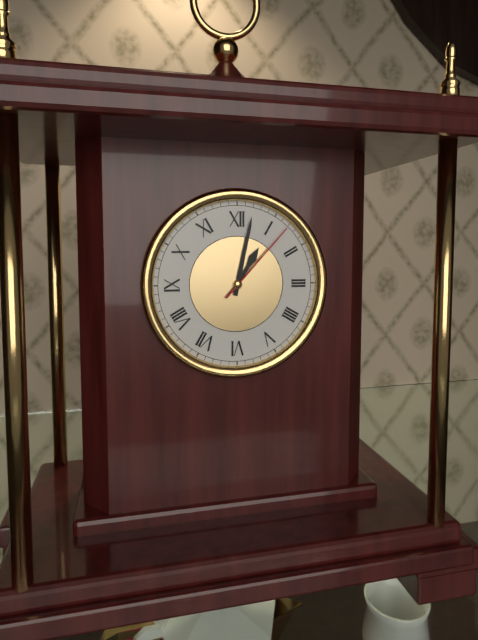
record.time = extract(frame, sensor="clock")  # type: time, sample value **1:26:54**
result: **1:02:07**
